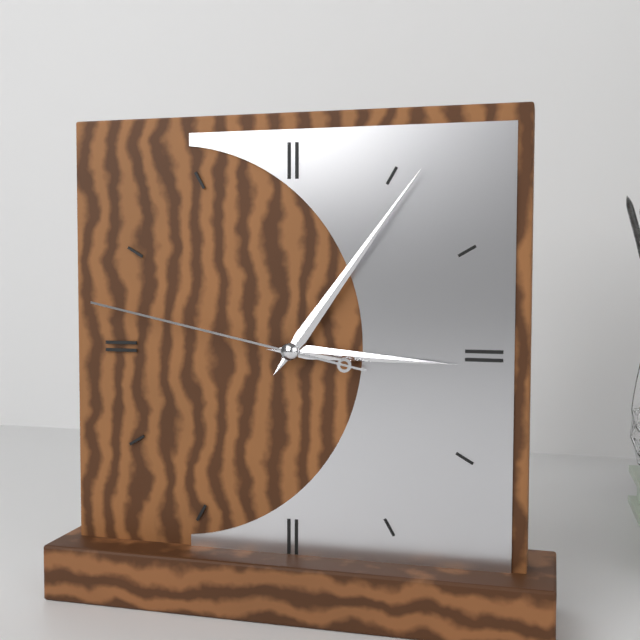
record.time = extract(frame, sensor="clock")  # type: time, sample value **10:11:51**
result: **3:06:47**
